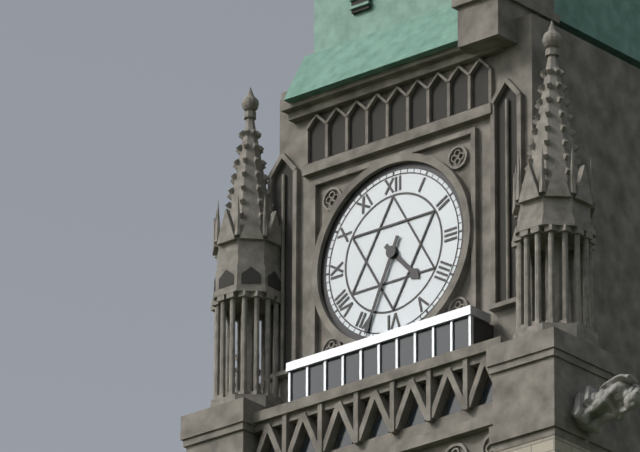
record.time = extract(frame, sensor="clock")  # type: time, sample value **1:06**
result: **4:34**
